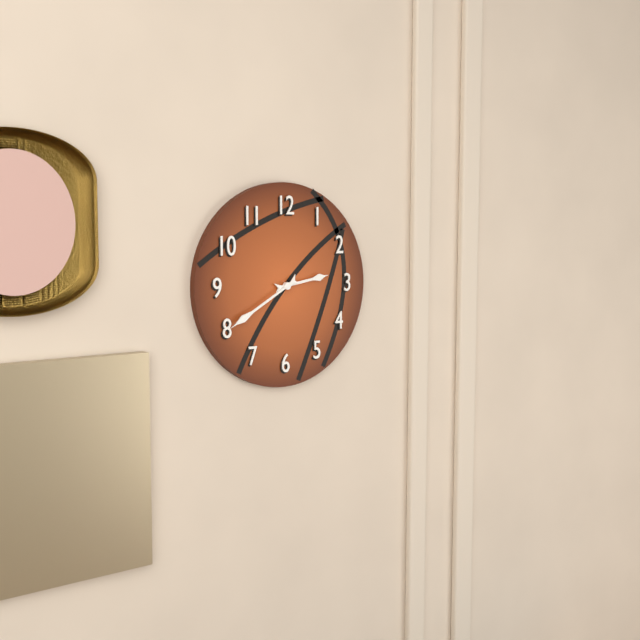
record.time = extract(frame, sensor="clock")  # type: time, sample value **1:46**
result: **2:40**
